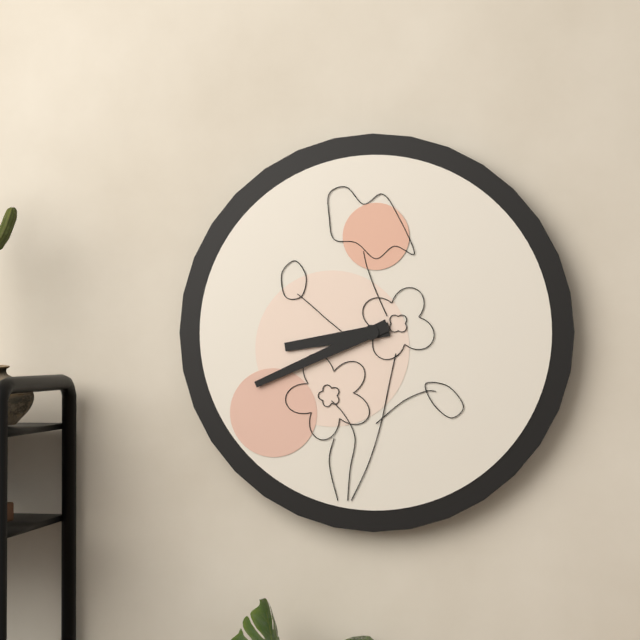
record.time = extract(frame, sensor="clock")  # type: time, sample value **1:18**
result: **8:41**
